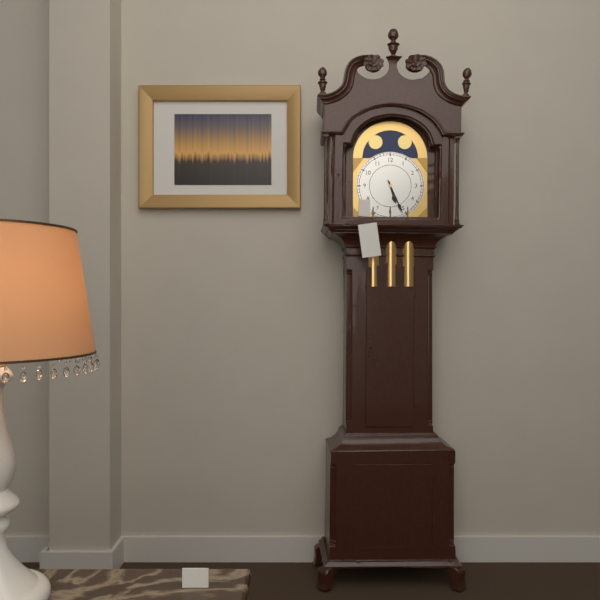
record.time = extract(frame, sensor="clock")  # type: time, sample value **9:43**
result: **5:26**
